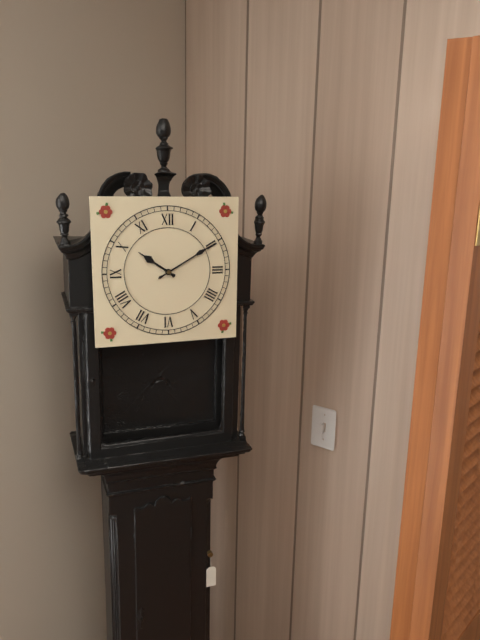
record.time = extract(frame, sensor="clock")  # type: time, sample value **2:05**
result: **10:10**
